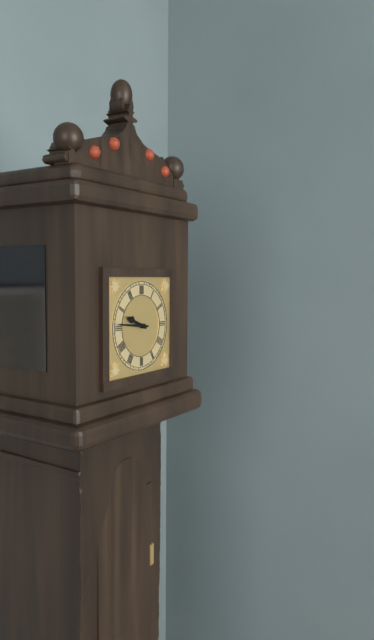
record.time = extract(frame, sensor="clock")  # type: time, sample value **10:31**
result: **9:46**
